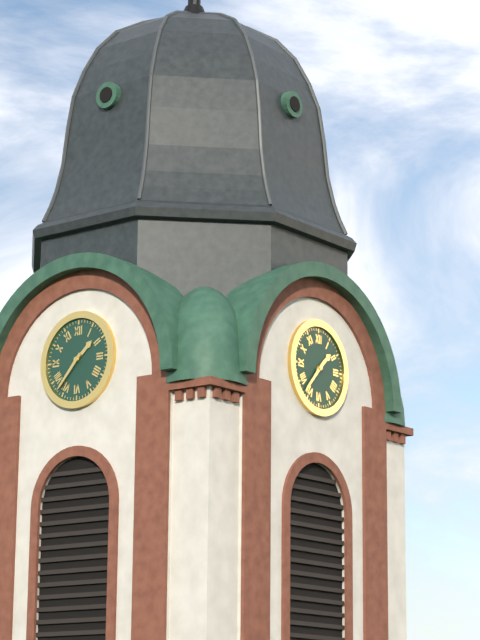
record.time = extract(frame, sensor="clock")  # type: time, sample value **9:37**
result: **1:37**
